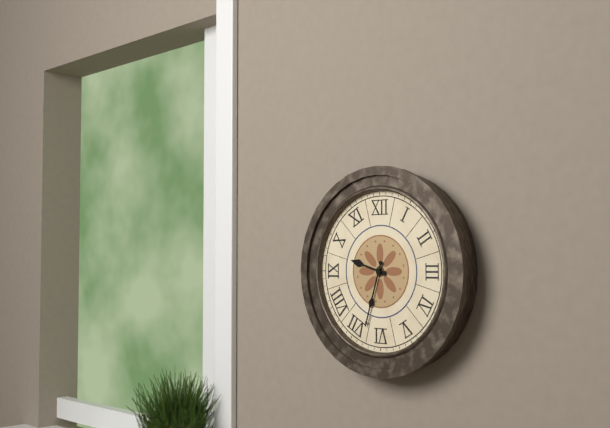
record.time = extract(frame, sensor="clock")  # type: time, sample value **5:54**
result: **9:33**
